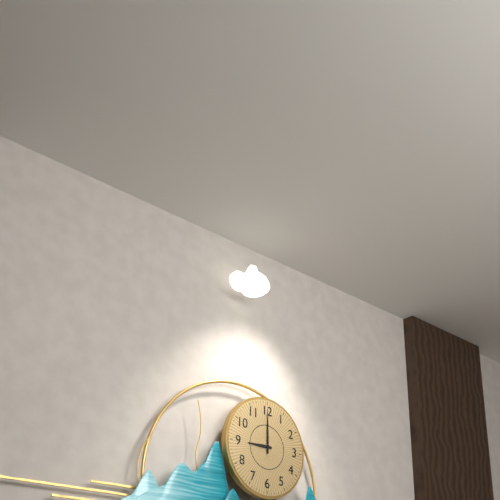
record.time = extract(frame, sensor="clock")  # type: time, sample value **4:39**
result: **9:00**
